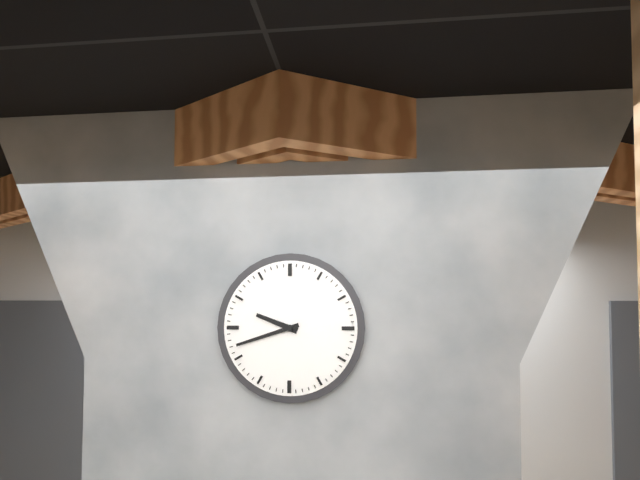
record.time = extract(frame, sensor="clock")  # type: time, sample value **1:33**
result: **9:42**
